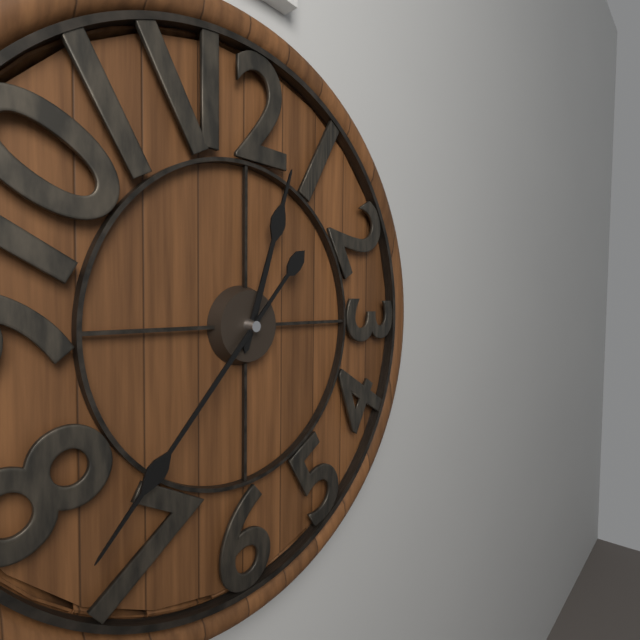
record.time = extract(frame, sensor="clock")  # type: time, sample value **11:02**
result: **12:37**
